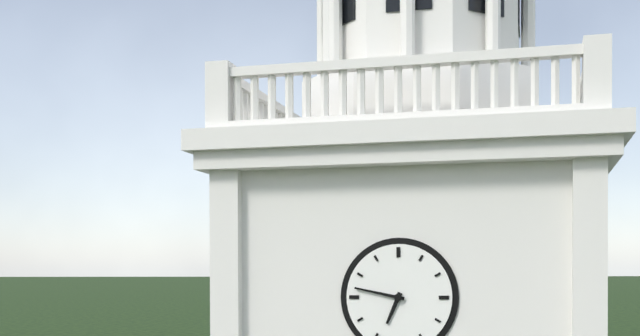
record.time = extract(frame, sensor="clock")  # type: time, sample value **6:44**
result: **6:47**
